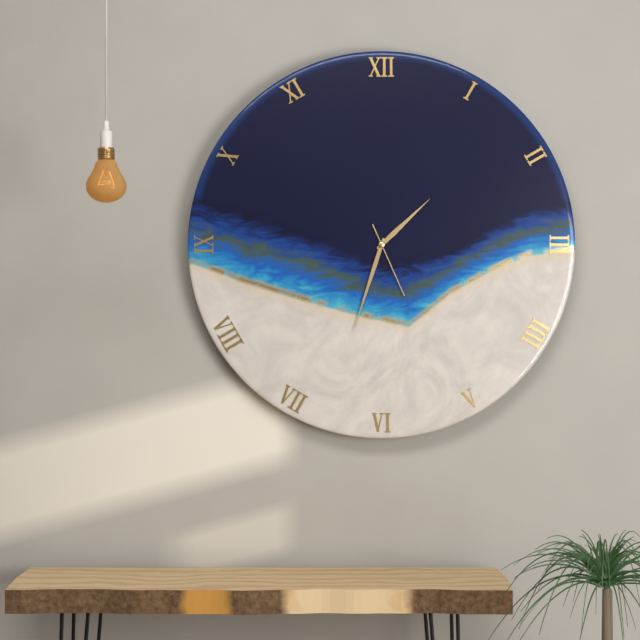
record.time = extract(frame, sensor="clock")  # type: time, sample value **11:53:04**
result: **1:33:26**
